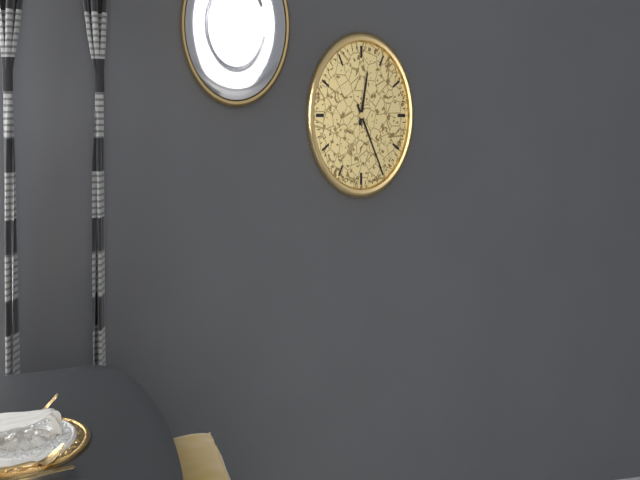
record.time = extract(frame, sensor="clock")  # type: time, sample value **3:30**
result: **12:25**
